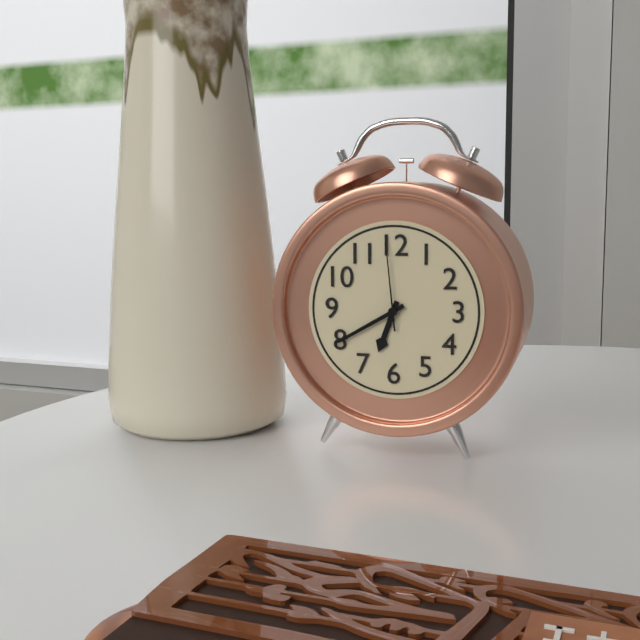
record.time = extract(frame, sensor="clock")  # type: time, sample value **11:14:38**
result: **6:40:59**
